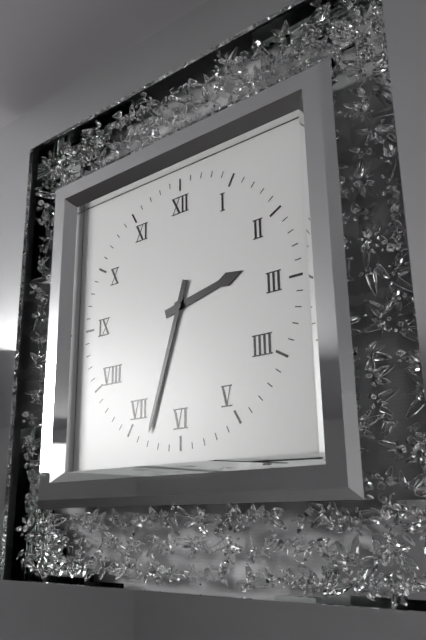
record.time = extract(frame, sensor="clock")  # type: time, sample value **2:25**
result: **2:33**
